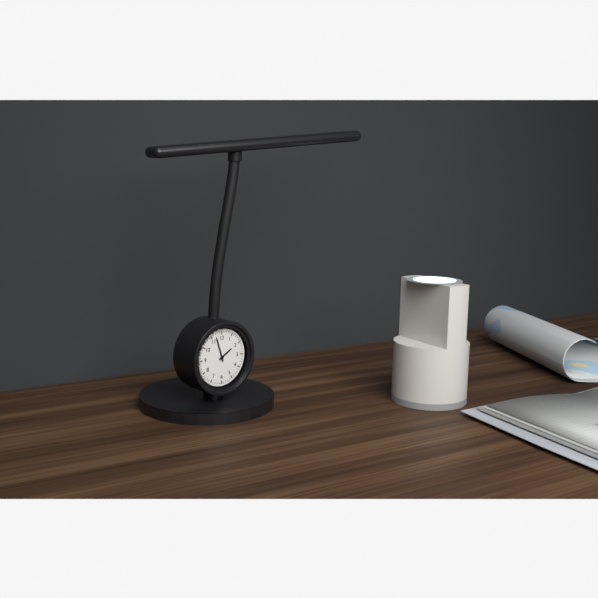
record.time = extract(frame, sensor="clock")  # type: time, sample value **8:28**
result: **1:57**
